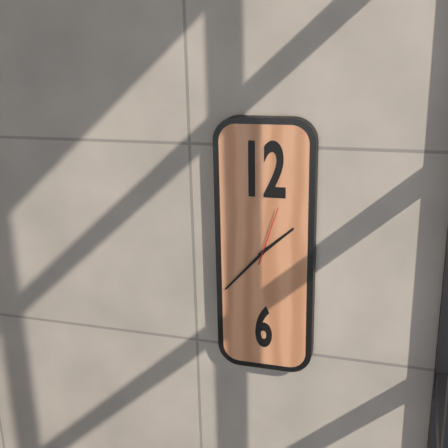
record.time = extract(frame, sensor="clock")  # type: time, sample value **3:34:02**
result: **1:37:03**
